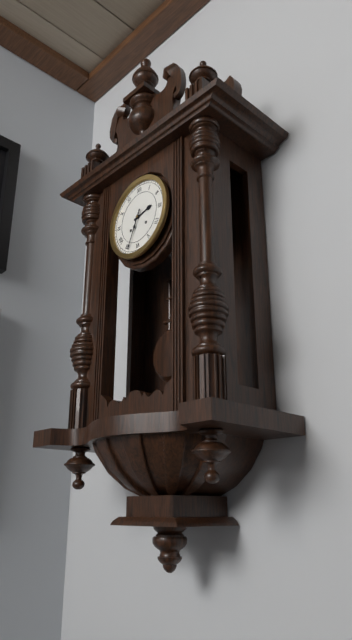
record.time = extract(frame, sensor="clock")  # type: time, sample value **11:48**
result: **2:34**
